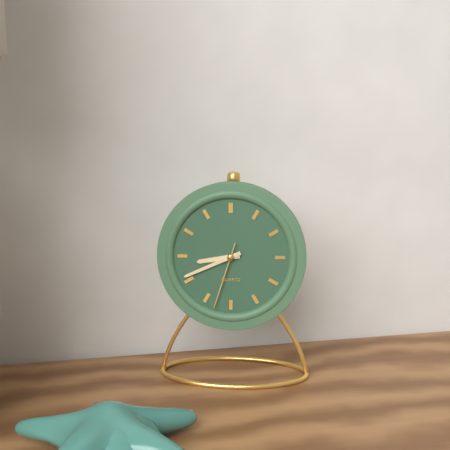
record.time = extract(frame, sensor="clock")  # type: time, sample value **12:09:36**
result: **8:41:33**
